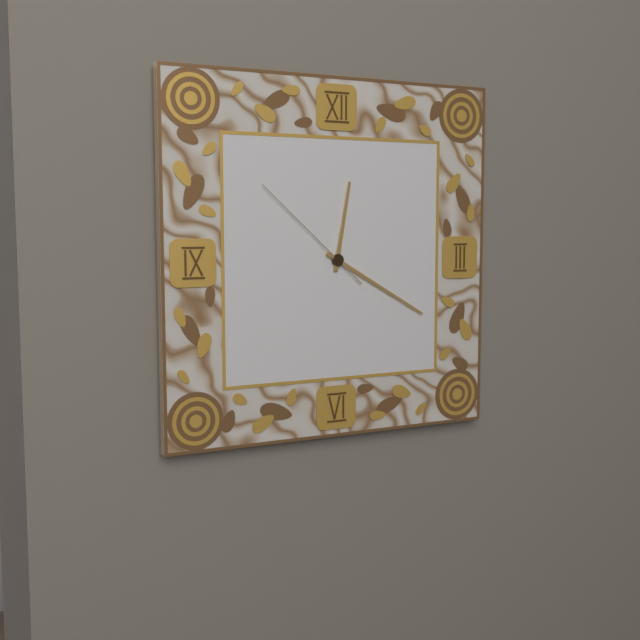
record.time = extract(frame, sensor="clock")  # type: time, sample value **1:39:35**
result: **12:20:52**
